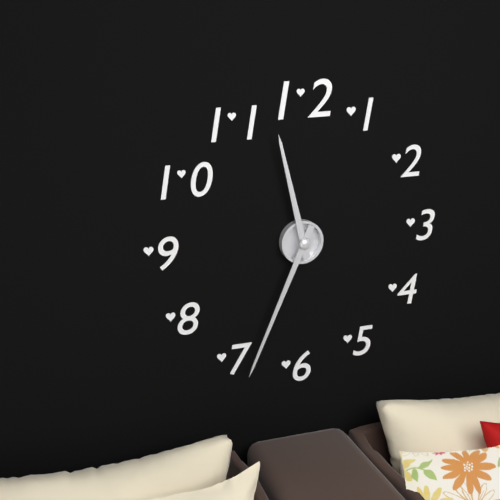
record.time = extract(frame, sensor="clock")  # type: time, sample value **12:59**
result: **11:34**
